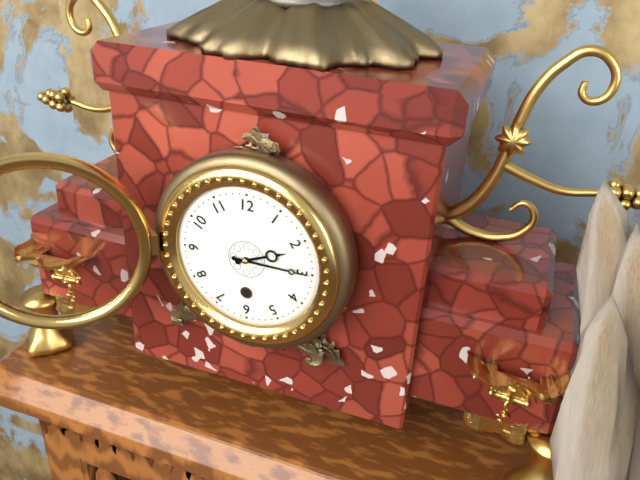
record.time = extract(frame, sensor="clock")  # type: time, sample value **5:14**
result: **2:15**
